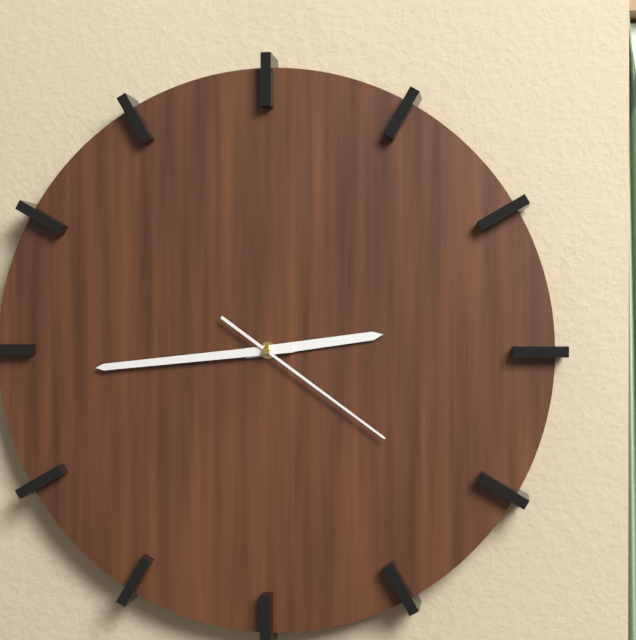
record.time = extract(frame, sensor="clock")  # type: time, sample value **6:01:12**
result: **2:44:21**
